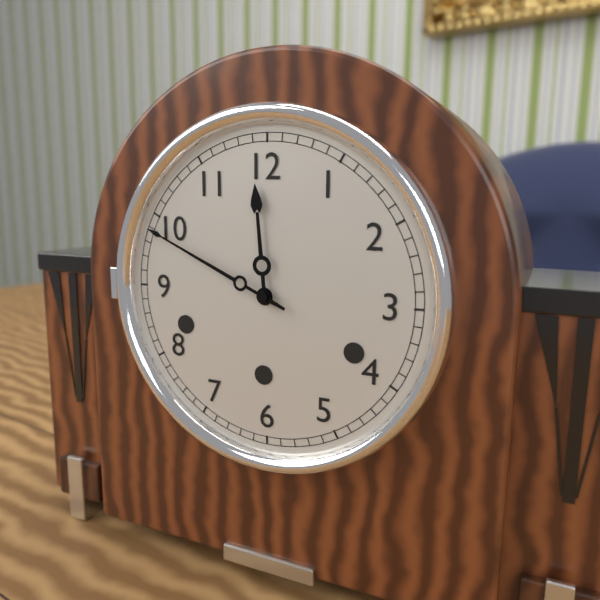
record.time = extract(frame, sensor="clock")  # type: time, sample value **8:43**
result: **11:49**
